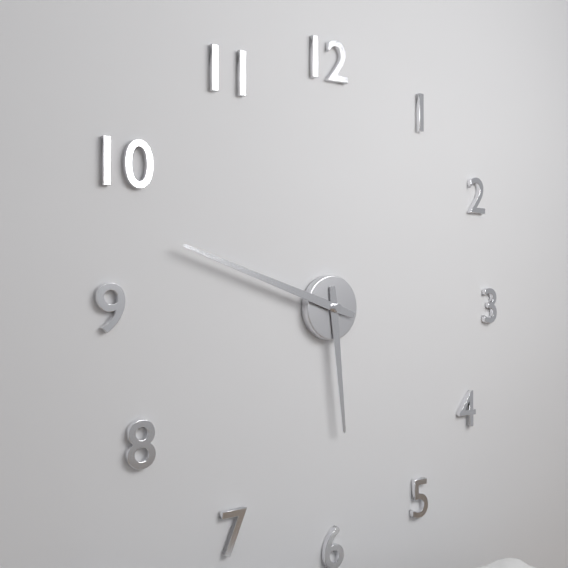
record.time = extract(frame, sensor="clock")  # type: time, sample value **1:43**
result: **5:48**
